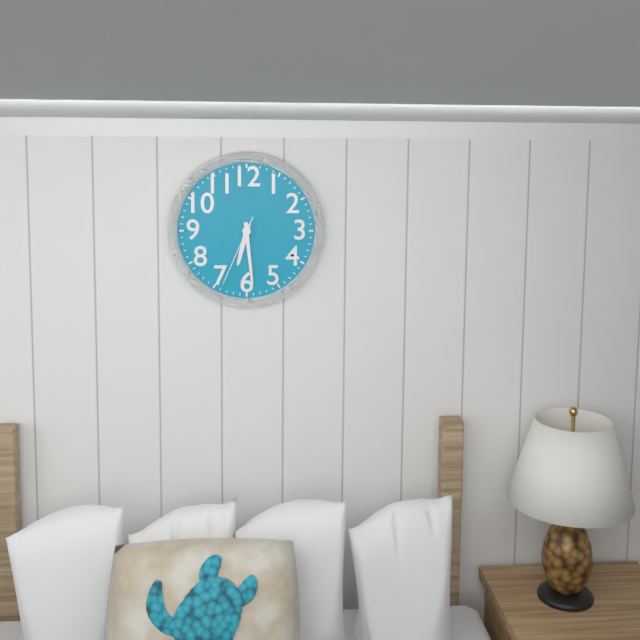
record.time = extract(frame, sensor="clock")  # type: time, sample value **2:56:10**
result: **6:29:34**
